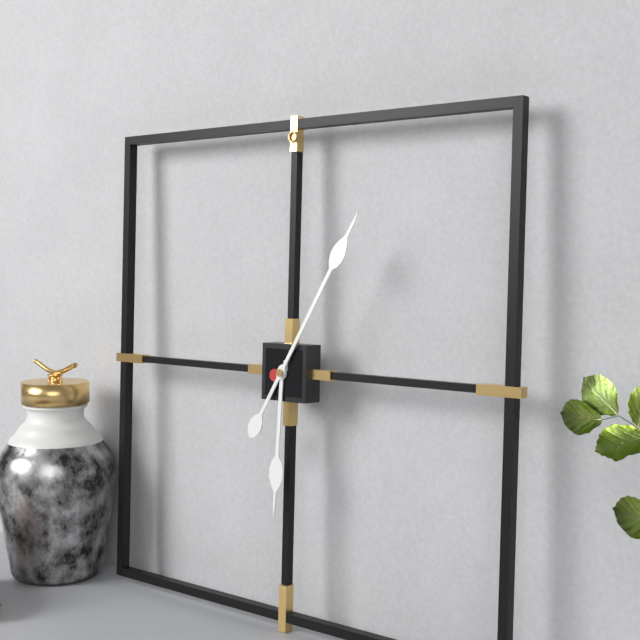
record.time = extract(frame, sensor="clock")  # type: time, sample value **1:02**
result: **6:05**
